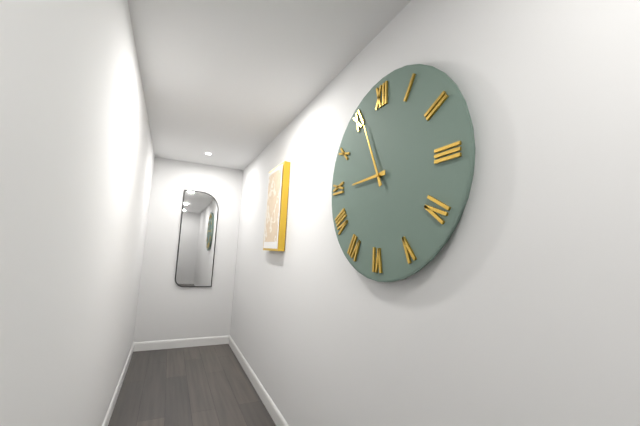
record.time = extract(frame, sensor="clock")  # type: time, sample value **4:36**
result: **8:56**
